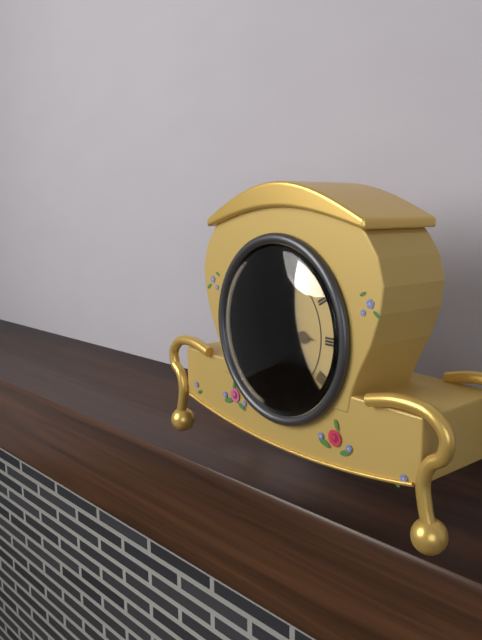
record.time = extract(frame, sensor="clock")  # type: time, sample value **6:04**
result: **3:02**
